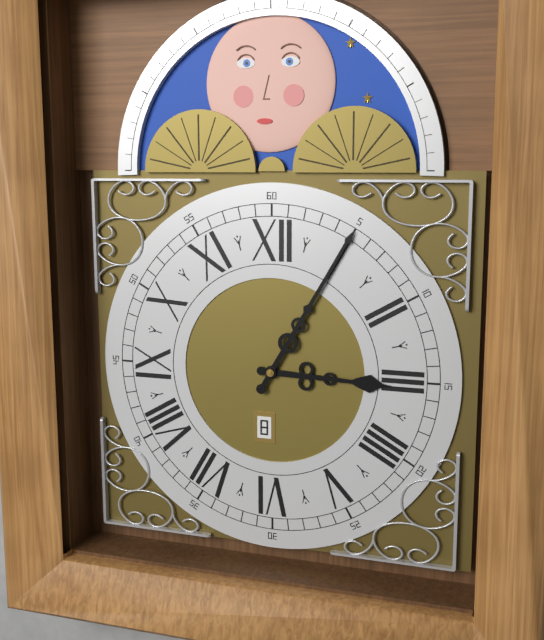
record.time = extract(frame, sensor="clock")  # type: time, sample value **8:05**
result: **3:05**
